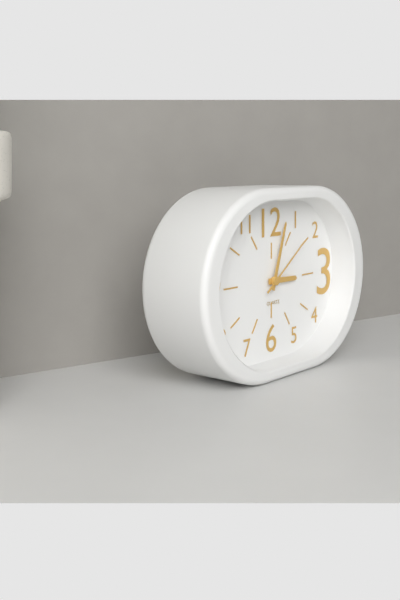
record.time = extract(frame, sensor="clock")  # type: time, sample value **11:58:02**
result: **3:03:09**
